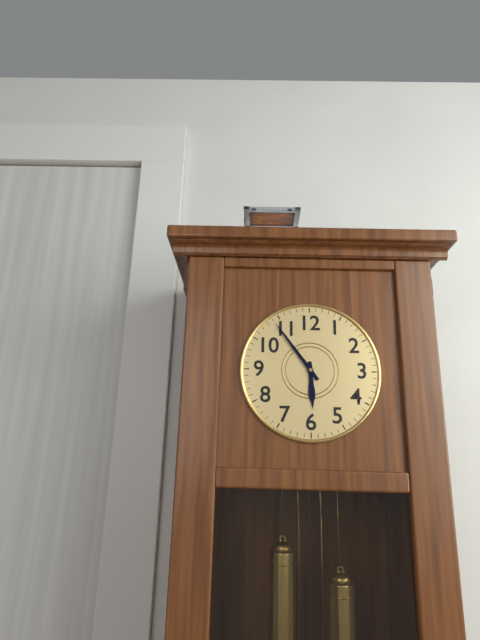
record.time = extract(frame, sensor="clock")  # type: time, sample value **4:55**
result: **5:54**
